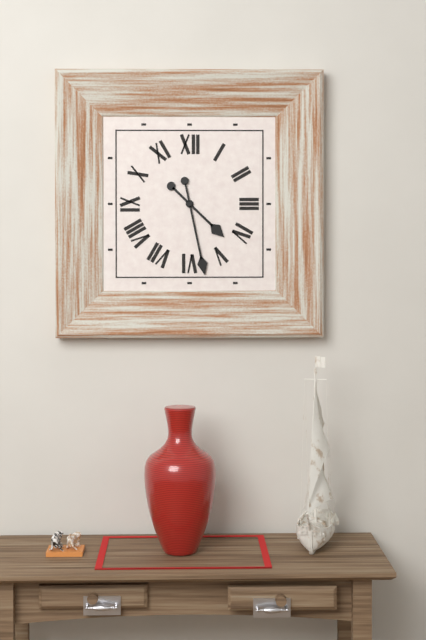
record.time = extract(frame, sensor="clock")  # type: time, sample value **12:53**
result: **4:28**
